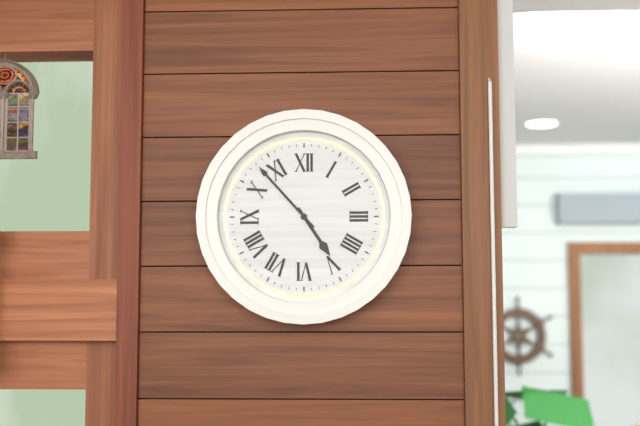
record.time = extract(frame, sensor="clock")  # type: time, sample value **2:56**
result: **4:53**
